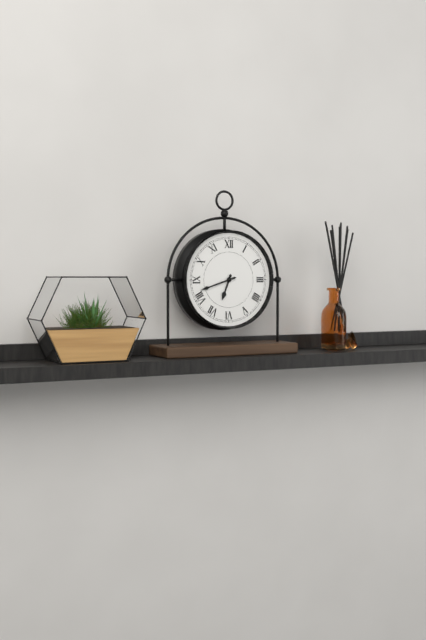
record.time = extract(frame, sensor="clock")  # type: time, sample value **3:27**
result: **6:42**
